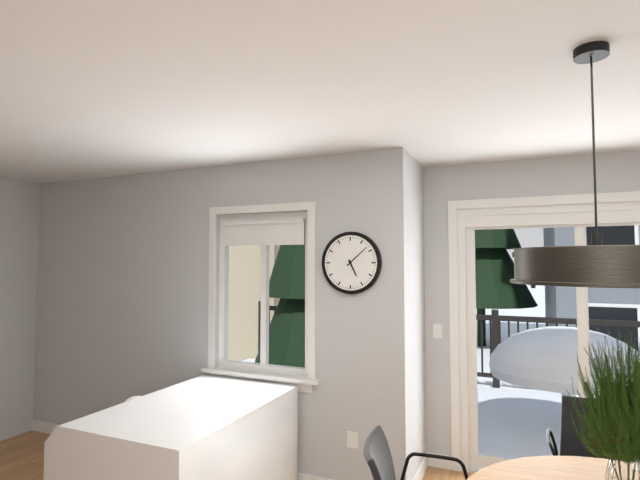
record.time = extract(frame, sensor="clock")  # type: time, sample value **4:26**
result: **5:08**
